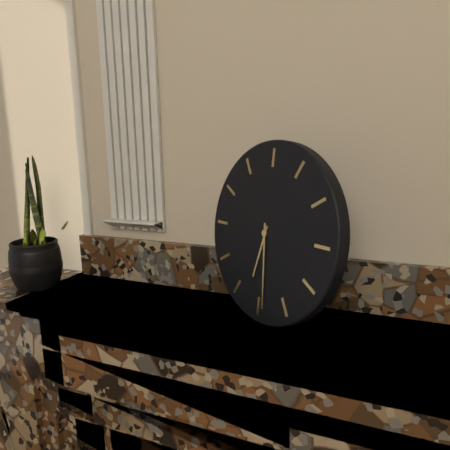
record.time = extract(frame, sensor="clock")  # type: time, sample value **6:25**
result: **6:29**
